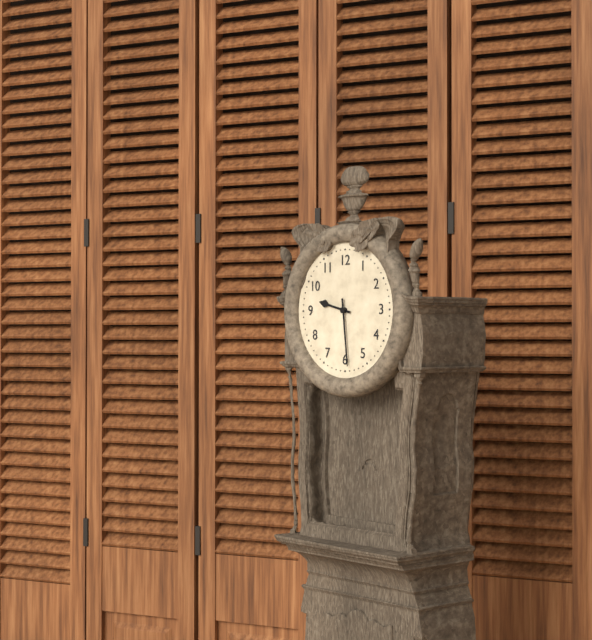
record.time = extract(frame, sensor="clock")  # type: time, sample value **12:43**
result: **9:29**
